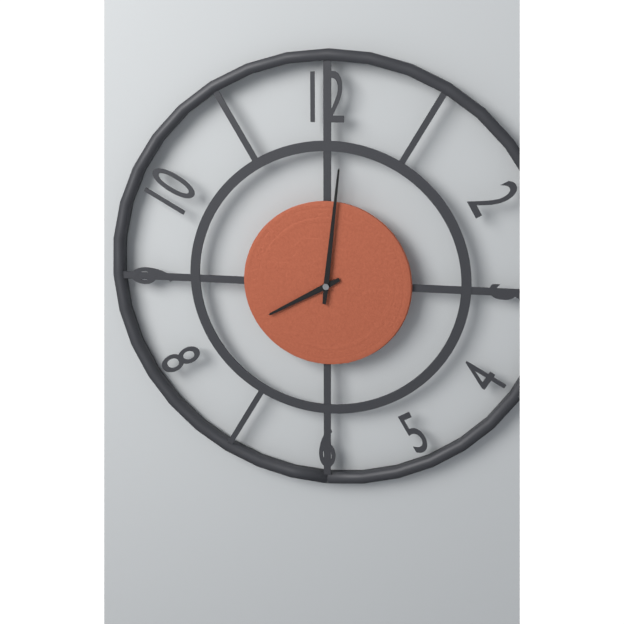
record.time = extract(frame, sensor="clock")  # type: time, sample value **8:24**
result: **8:01**
